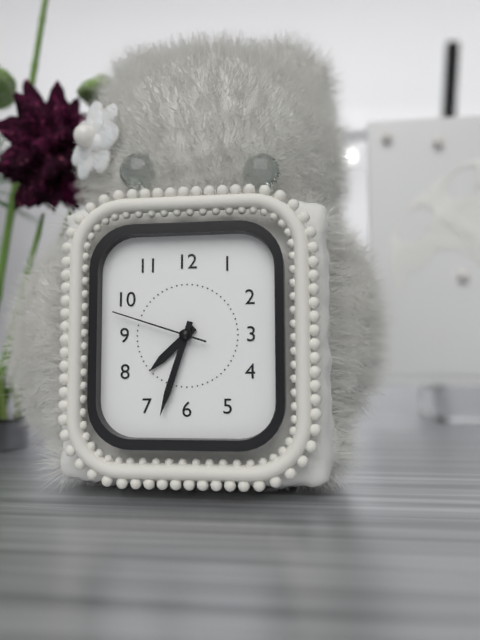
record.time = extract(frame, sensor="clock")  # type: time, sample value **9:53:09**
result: **7:33:48**
